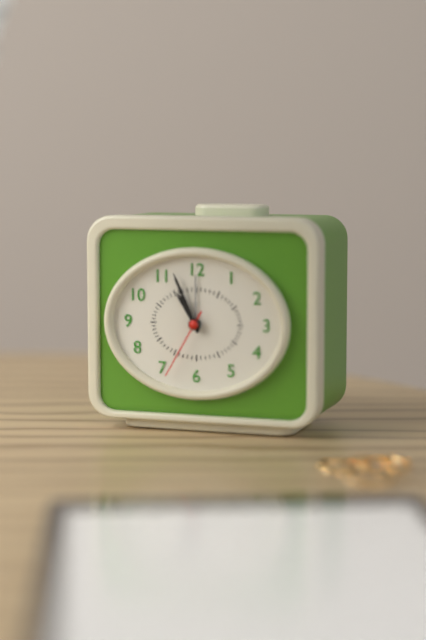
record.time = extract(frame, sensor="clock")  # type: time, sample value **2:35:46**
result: **10:56:35**
